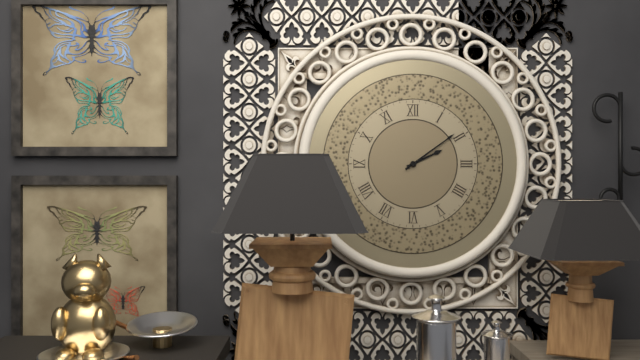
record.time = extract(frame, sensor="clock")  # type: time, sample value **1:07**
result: **2:09**
